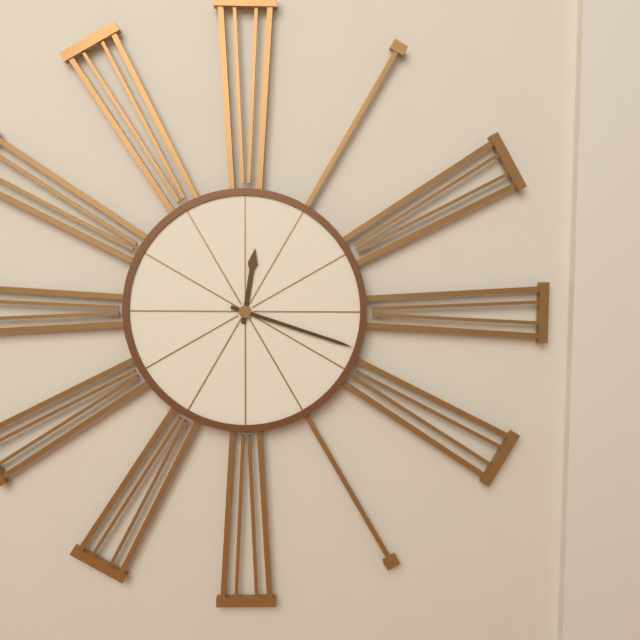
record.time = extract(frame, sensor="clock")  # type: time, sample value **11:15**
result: **12:18**
